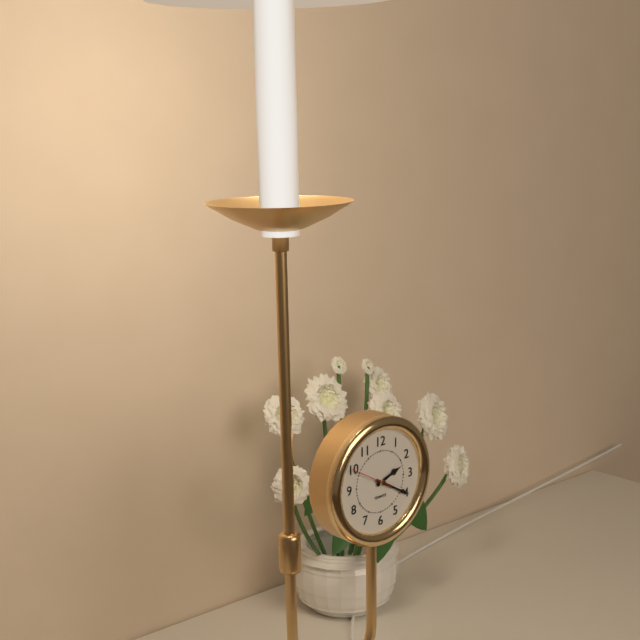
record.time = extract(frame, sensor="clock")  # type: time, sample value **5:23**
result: **2:20**
